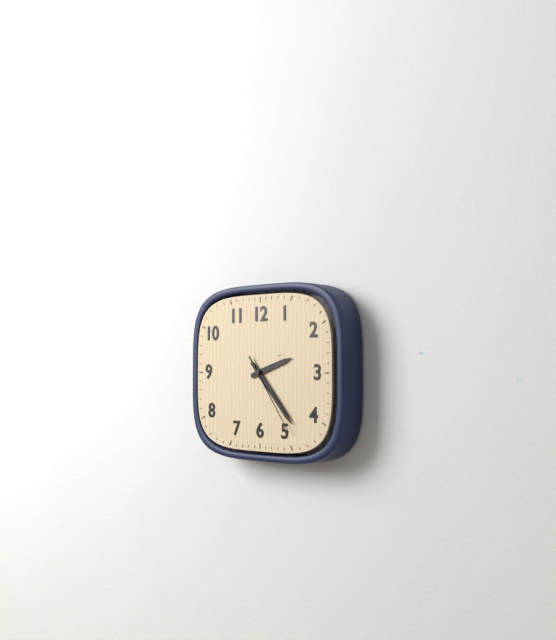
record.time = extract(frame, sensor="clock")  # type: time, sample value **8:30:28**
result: **2:23:24**
